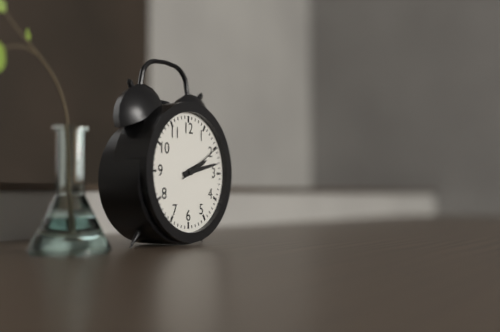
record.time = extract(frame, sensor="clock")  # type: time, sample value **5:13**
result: **2:13**
